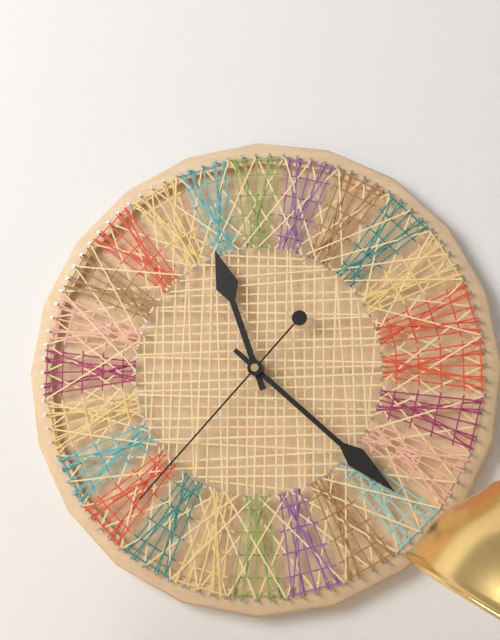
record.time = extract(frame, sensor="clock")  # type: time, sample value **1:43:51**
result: **11:22:37**
